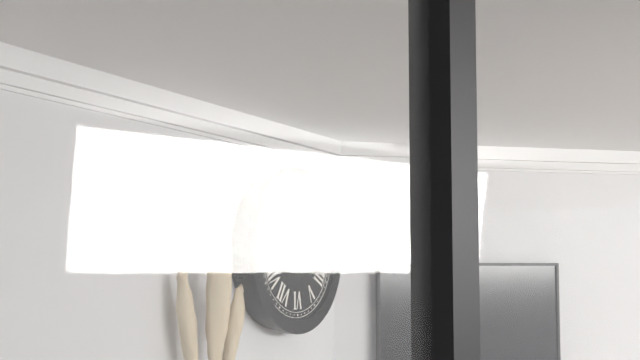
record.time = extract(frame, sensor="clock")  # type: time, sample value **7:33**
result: **11:55**
